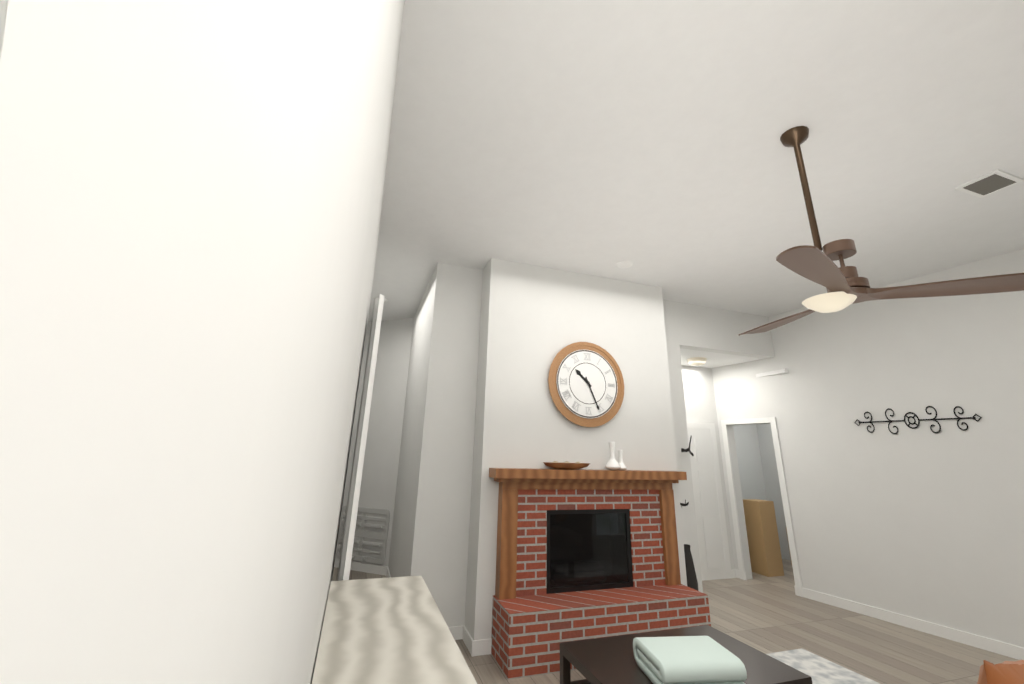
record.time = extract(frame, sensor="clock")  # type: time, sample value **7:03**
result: **10:26**
